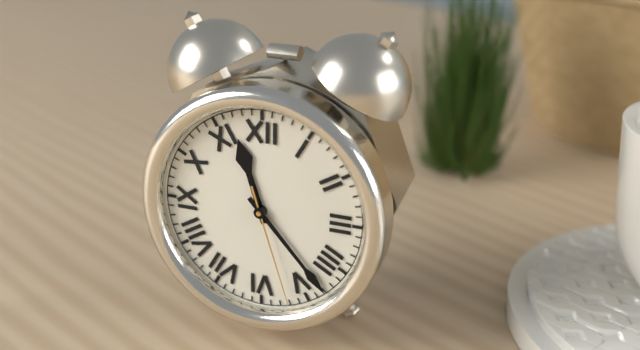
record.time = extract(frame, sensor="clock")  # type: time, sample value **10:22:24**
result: **11:23:27**
